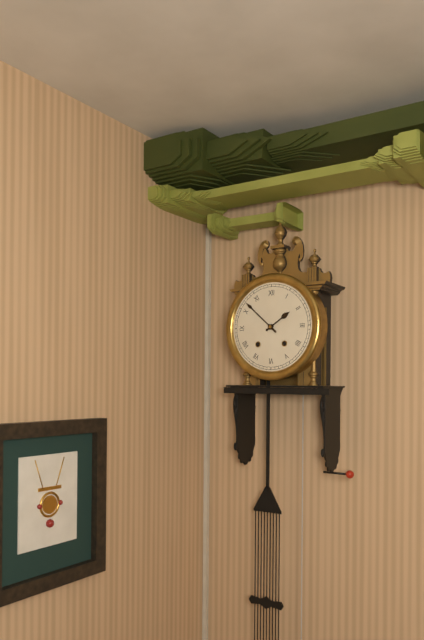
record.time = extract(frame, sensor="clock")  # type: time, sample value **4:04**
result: **1:52**
